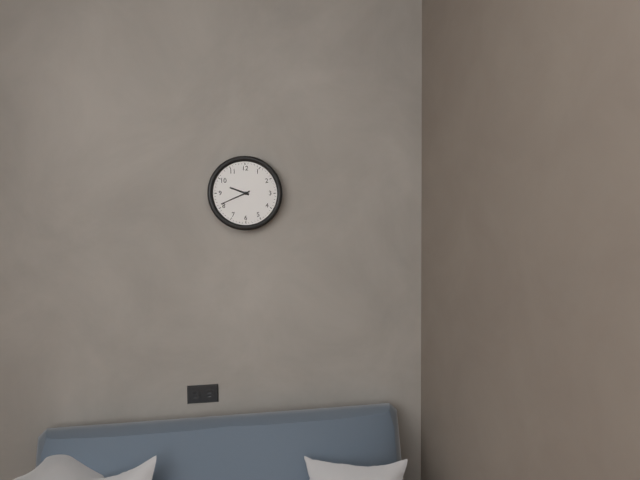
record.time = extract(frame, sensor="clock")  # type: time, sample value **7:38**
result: **9:41**
